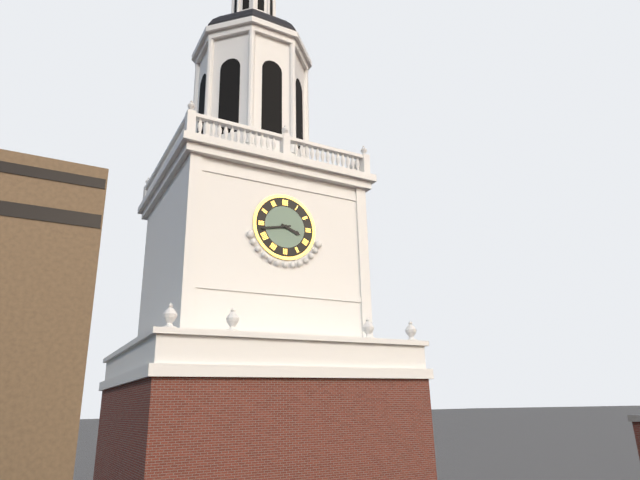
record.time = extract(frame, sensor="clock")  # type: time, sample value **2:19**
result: **3:43**
